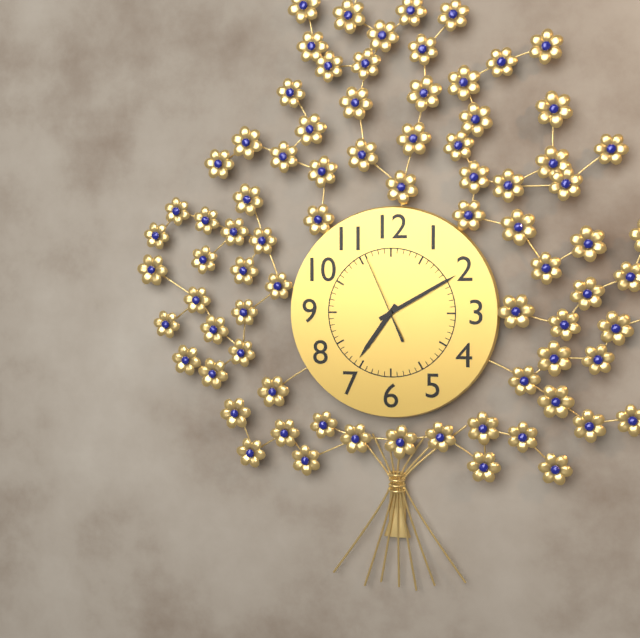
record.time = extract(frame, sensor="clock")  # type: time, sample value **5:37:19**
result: **7:10:56**
